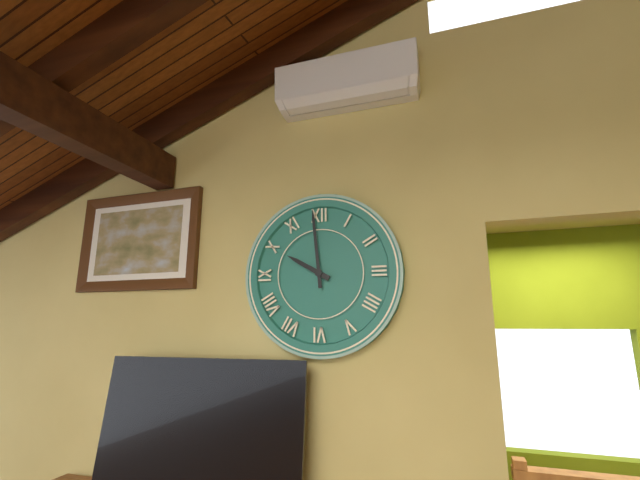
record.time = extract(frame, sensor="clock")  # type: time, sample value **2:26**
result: **9:59**
